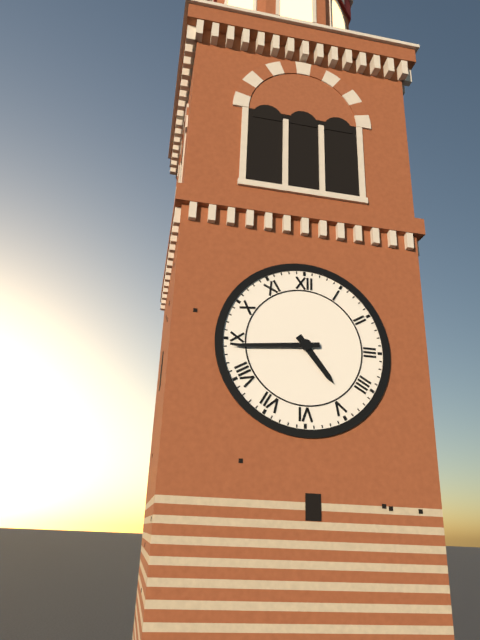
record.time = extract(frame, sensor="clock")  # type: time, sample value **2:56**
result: **4:44**
